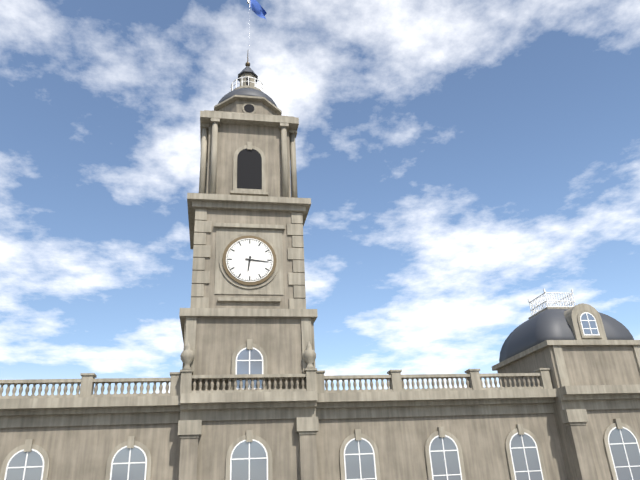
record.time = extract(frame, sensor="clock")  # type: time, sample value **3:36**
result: **6:16**
